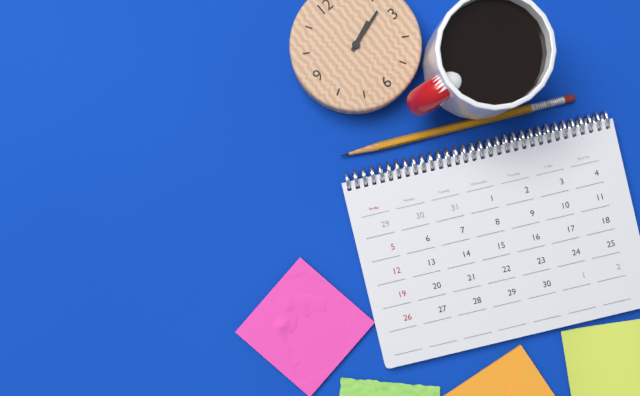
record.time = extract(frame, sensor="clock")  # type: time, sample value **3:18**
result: **2:12**
